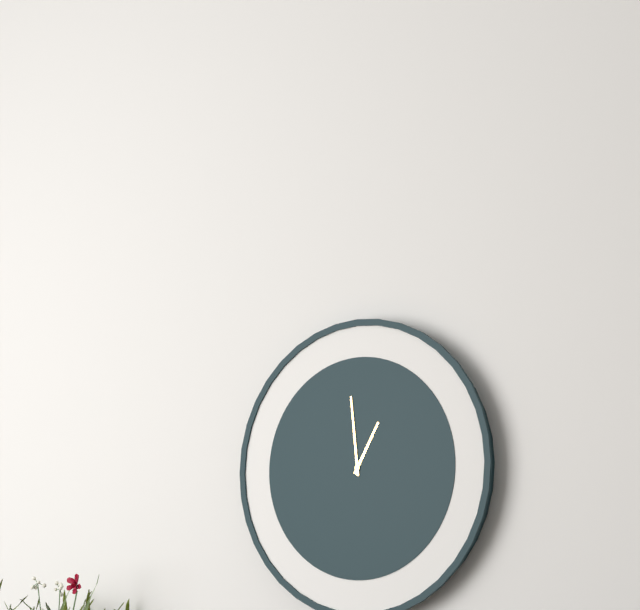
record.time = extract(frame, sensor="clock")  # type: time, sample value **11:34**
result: **12:59**
